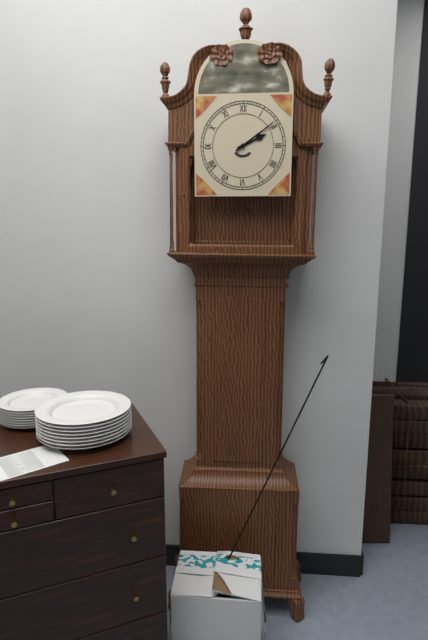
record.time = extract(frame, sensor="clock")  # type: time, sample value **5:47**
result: **2:09**
